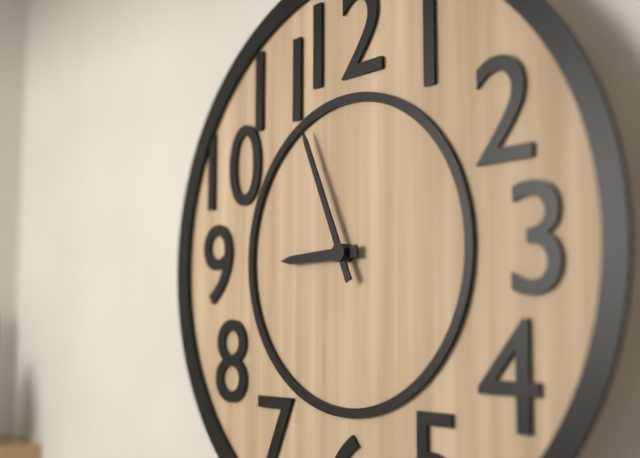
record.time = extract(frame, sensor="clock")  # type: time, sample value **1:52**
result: **8:56**
